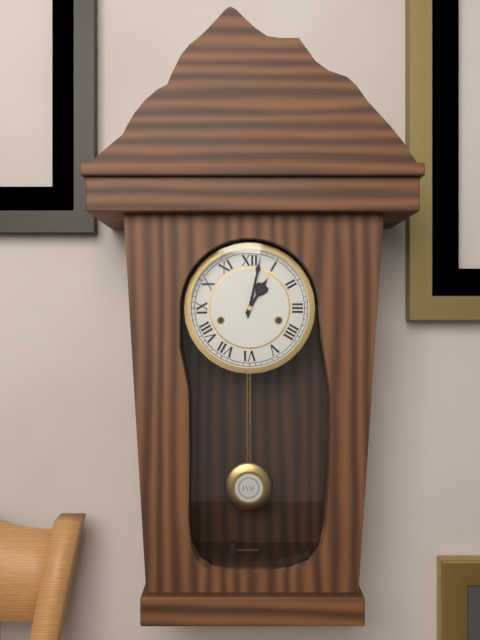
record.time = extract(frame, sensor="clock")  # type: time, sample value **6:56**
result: **1:02**
